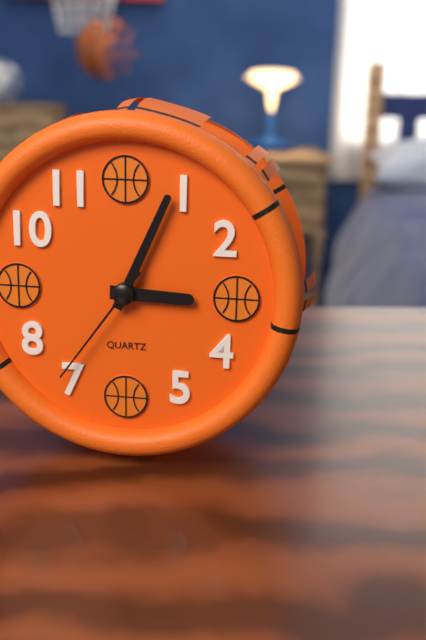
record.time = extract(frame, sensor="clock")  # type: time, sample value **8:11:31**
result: **3:04:36**
